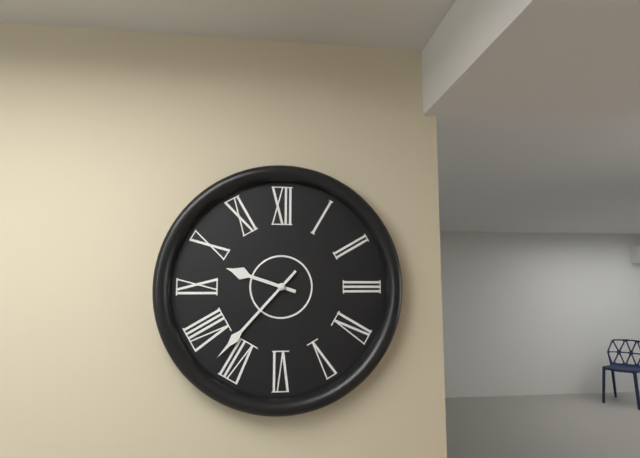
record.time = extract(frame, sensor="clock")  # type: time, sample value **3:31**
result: **9:37**
